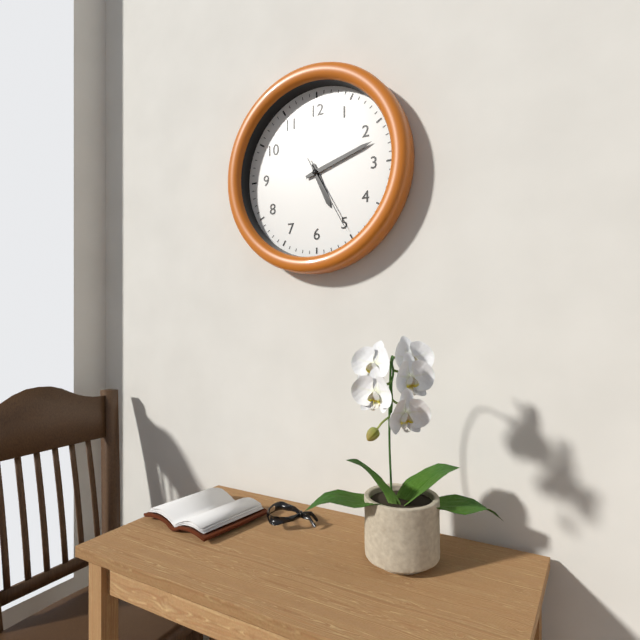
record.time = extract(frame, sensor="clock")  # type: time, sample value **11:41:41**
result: **5:12:25**
